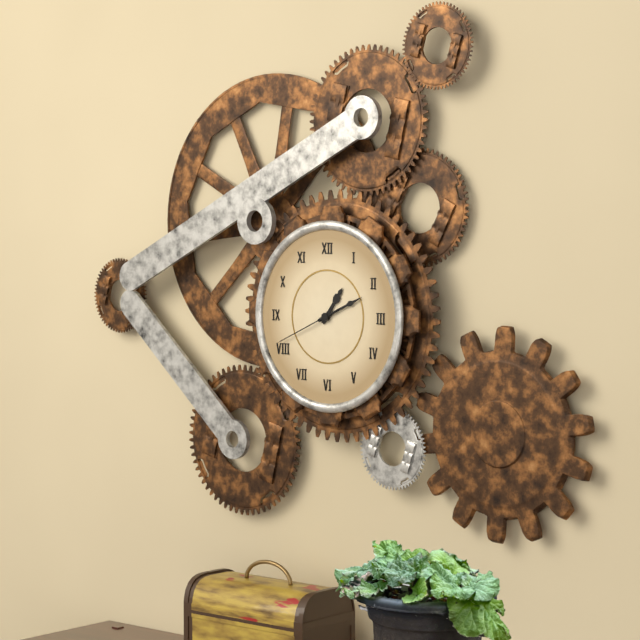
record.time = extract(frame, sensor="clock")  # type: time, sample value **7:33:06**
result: **1:11:41**
